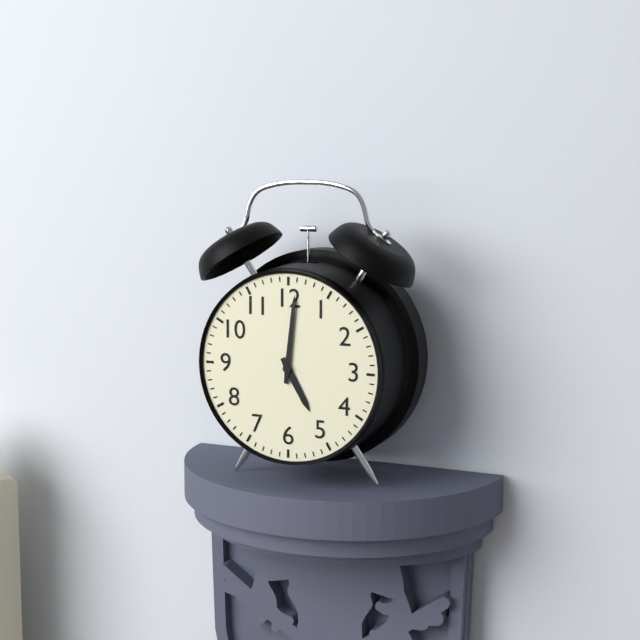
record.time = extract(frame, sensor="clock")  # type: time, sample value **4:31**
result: **5:01**
